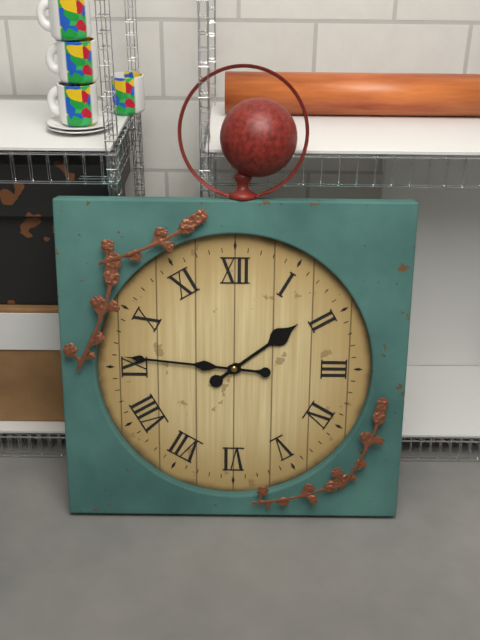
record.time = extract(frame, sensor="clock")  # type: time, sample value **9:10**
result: **1:46**
